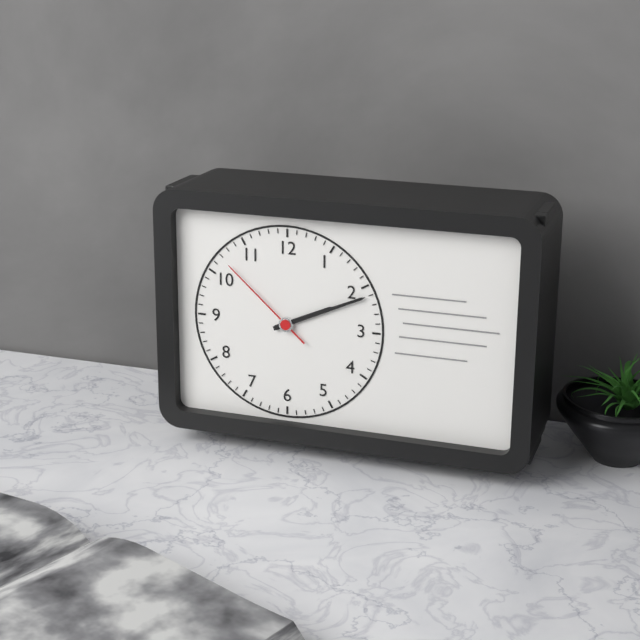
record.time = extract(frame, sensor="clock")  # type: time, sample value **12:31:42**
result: **2:11:52**
